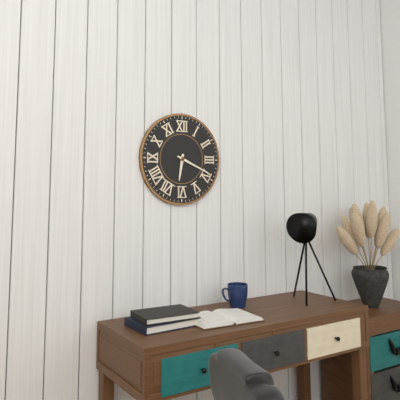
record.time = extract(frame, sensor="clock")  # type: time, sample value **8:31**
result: **6:19**
